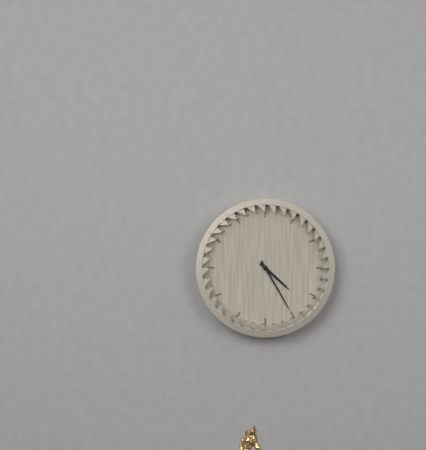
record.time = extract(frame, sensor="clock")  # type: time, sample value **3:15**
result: **4:25**
